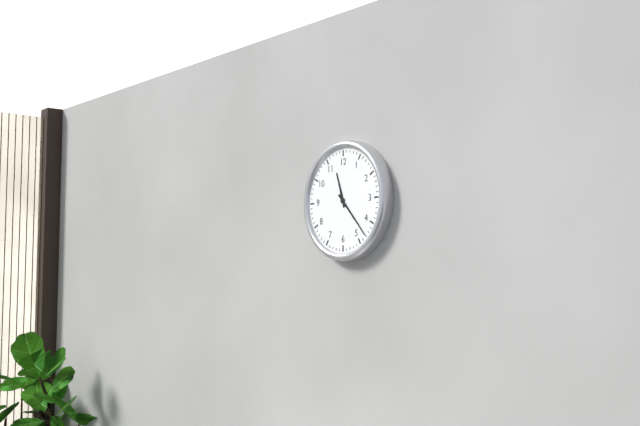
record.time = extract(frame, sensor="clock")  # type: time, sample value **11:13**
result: **11:23**
